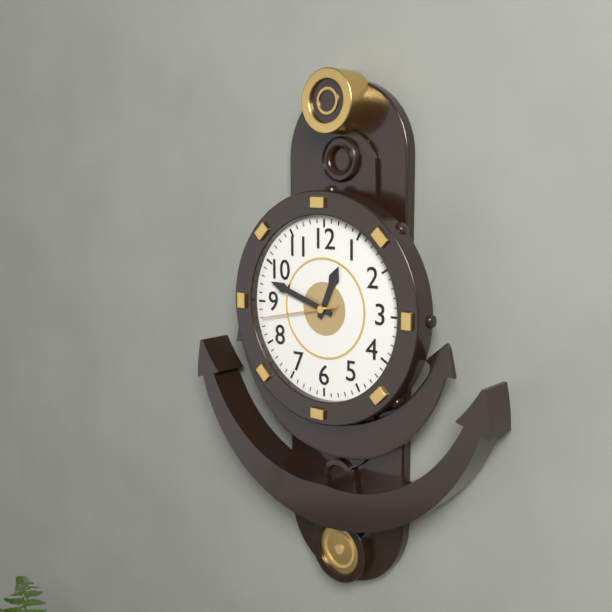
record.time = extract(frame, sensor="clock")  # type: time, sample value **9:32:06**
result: **12:48:43**
